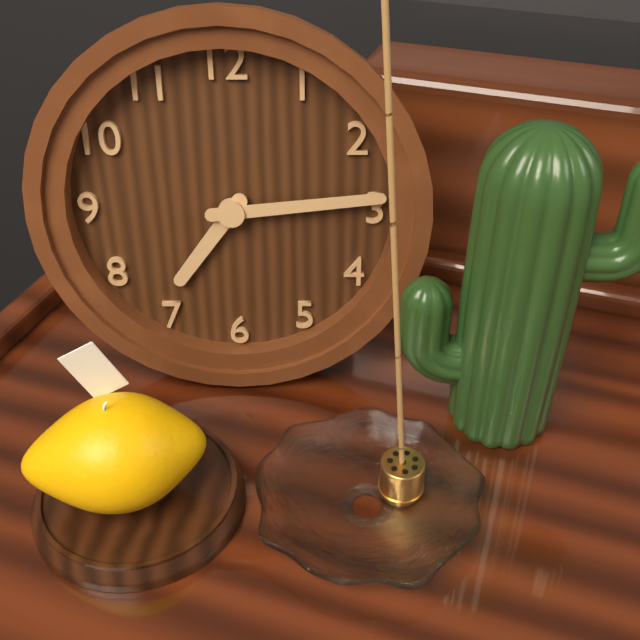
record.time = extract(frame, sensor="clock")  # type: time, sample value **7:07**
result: **7:14**
